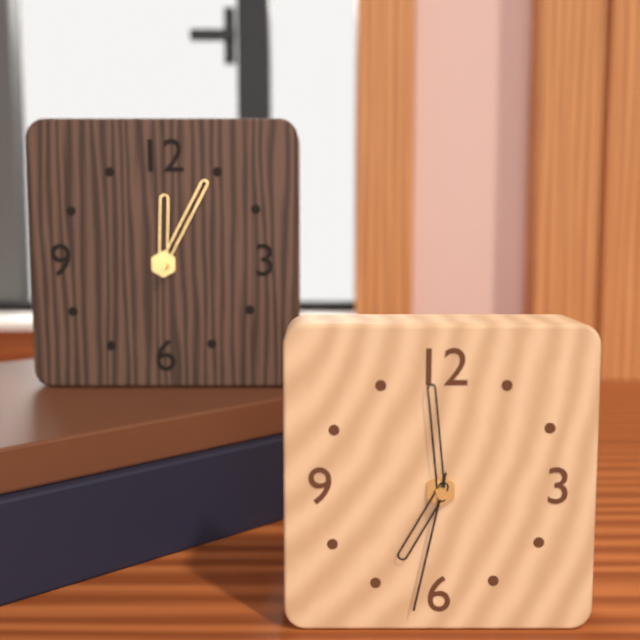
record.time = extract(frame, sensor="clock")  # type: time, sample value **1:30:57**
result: **6:59:32**
